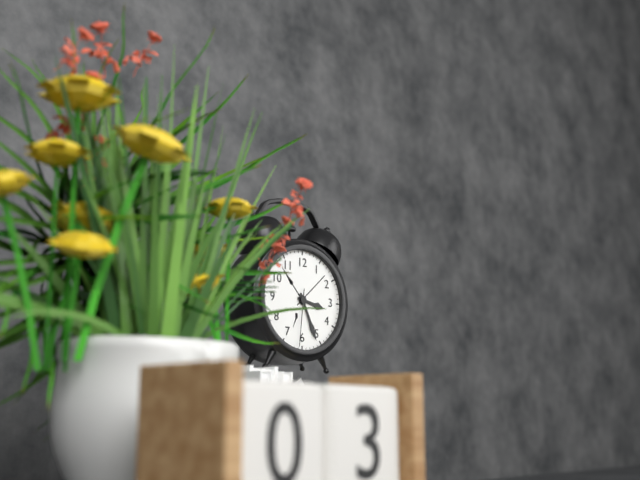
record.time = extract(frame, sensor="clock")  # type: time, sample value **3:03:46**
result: **3:26:31**
